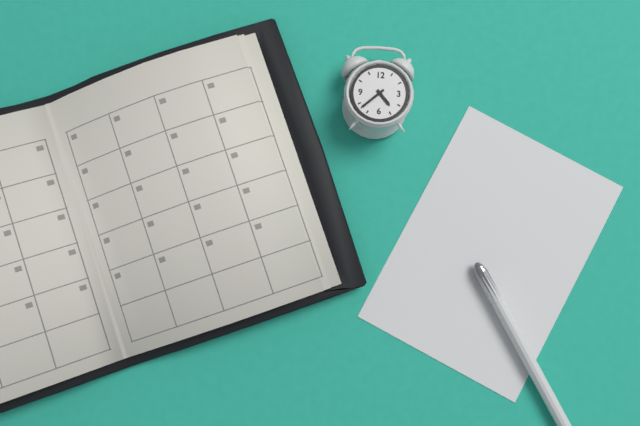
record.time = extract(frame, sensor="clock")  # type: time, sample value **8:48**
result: **4:38**
